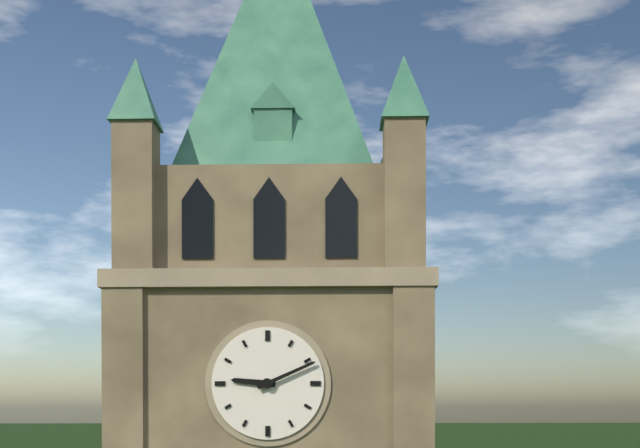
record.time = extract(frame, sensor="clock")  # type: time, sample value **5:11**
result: **9:11**
